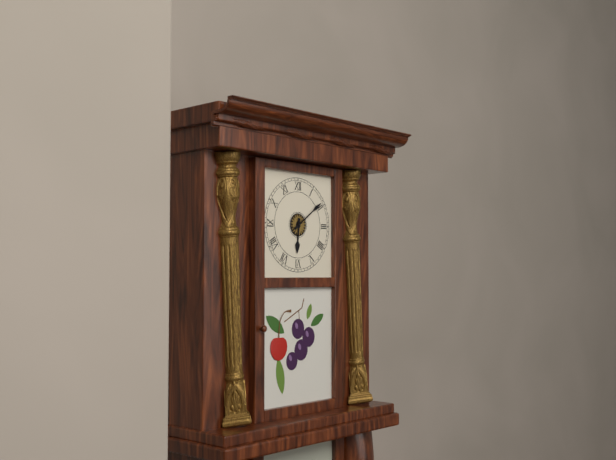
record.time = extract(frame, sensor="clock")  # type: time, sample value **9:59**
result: **6:09**
